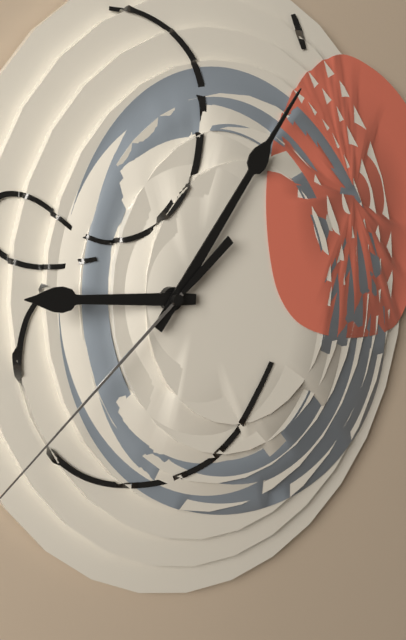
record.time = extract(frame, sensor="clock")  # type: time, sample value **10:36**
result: **9:06**
